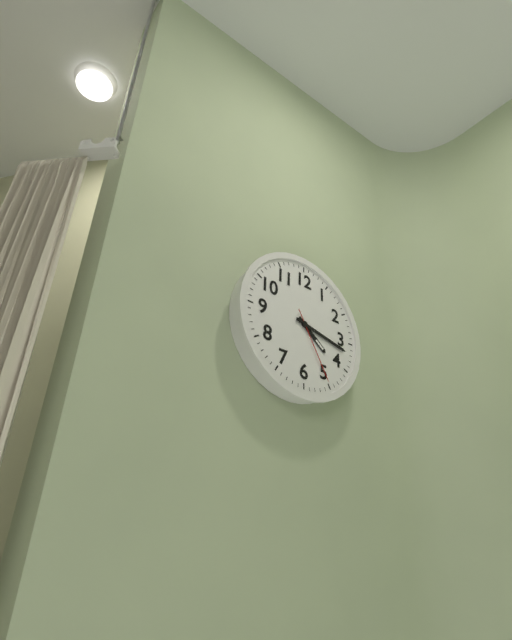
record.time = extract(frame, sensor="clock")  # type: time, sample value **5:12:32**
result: **4:17:25**
